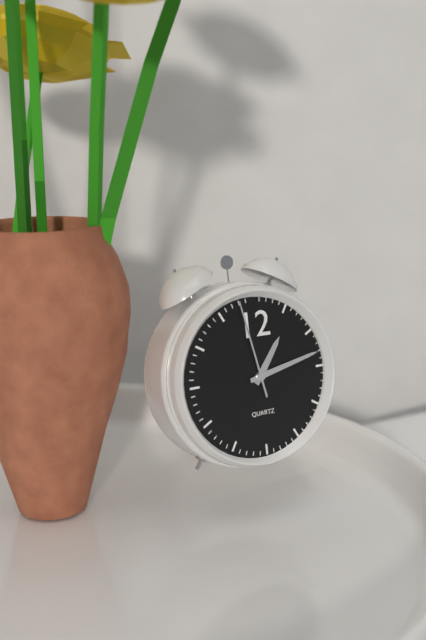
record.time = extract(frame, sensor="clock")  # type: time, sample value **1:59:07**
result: **1:13:58**
